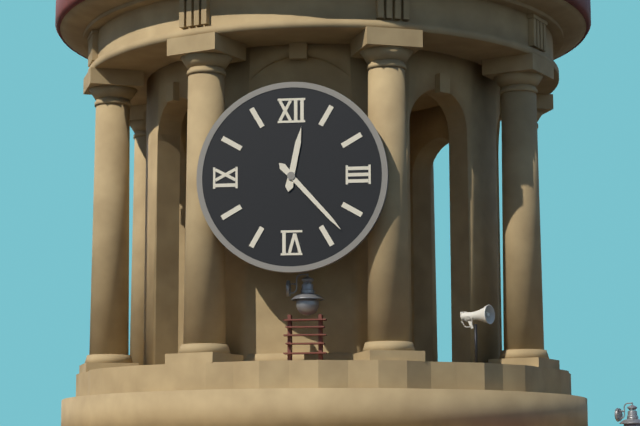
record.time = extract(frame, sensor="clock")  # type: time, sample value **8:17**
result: **12:23**
